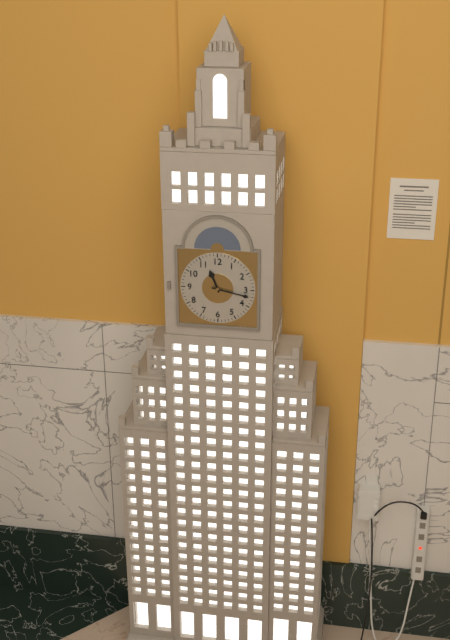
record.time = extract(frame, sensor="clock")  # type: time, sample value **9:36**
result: **11:17**
